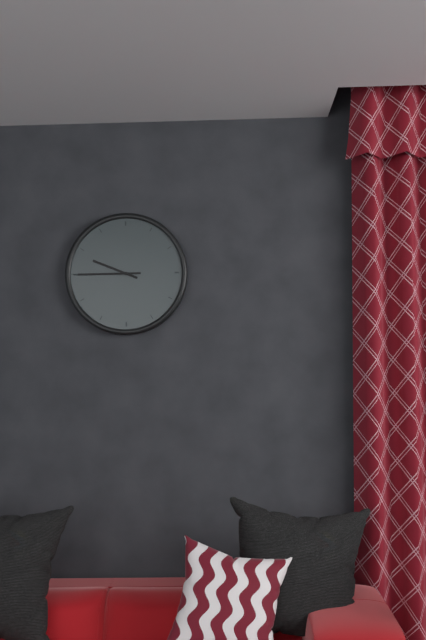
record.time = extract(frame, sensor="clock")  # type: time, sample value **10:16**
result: **9:45**
